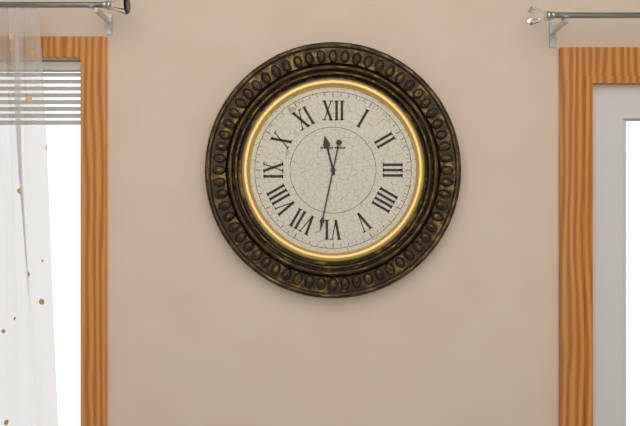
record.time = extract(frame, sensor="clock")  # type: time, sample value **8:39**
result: **11:32**
